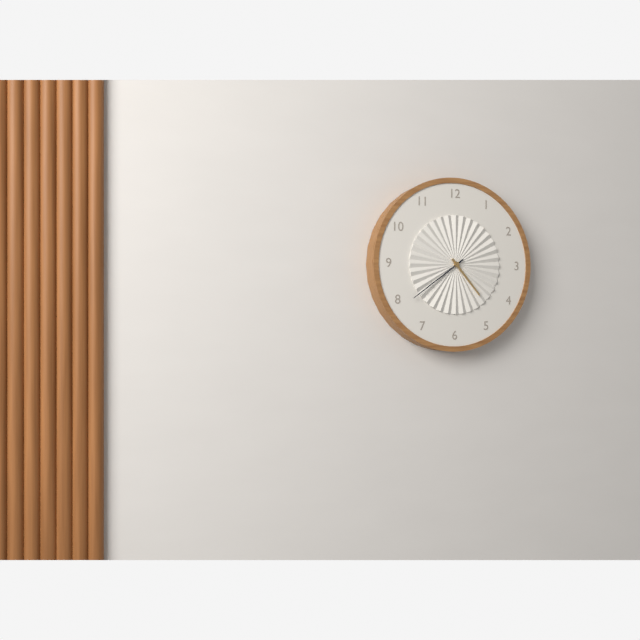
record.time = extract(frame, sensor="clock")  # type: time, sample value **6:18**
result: **4:39**
